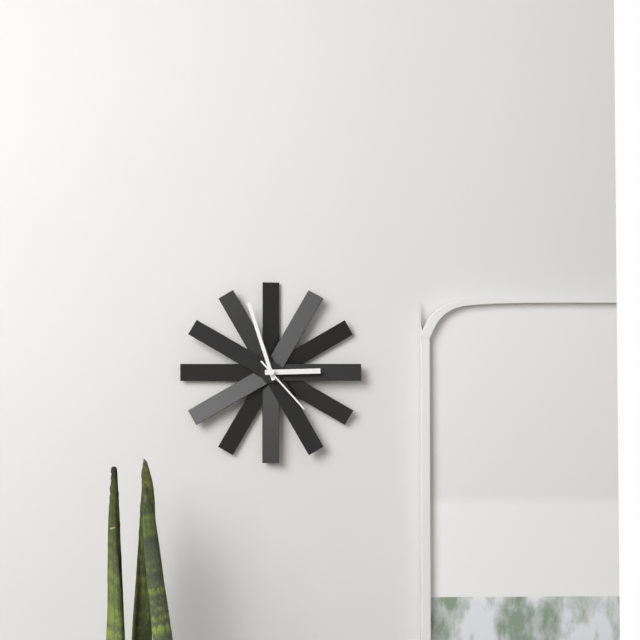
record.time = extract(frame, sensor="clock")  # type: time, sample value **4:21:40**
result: **2:57:23**
